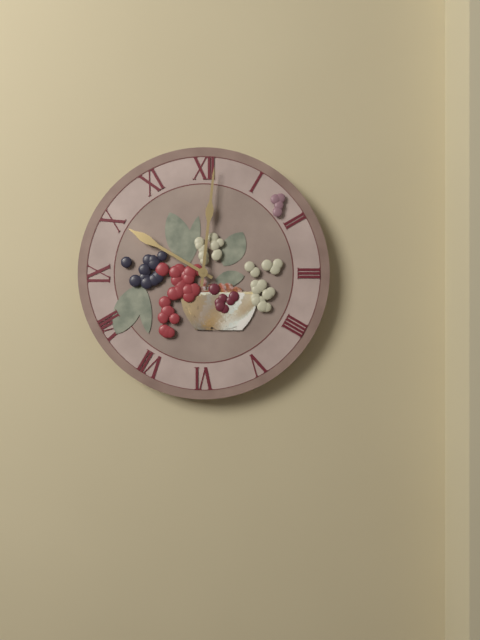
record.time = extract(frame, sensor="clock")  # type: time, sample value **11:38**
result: **10:01**
